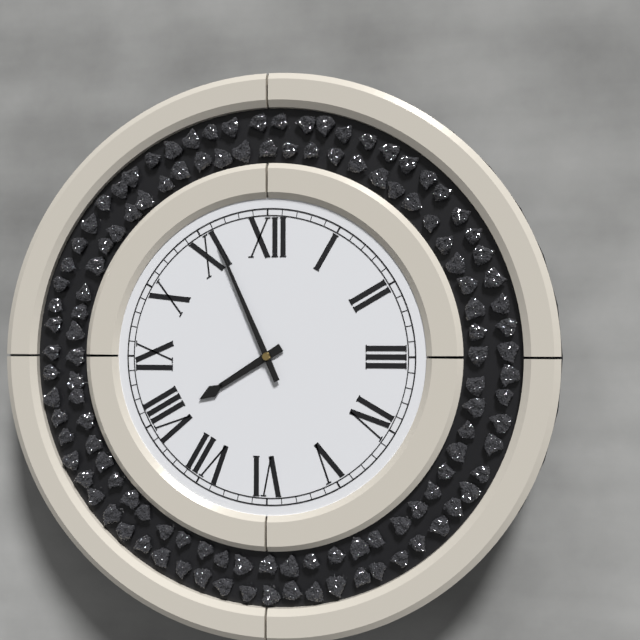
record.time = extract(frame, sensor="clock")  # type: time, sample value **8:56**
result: **7:56**
